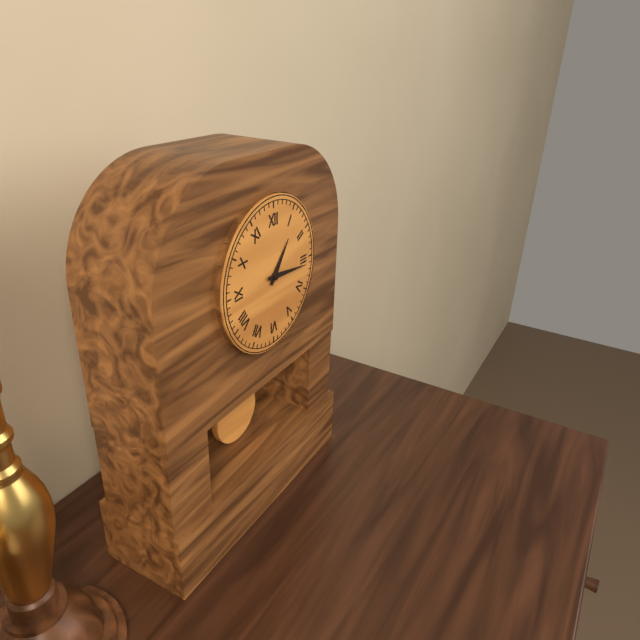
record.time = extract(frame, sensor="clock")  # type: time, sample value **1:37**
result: **1:16**
